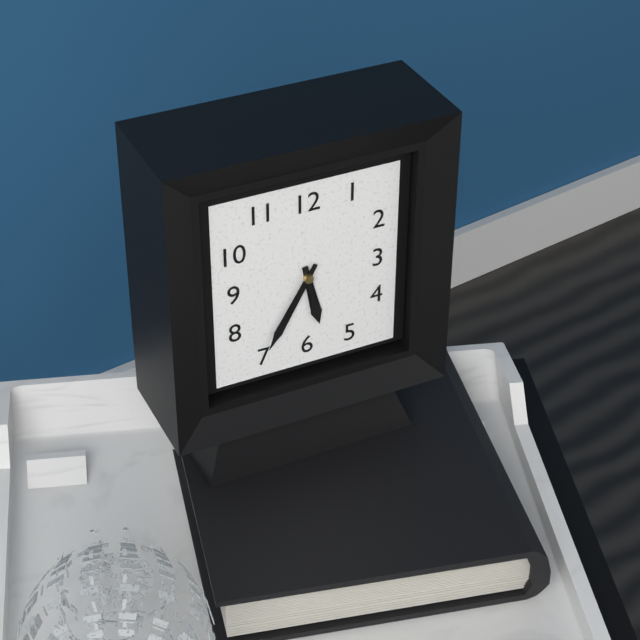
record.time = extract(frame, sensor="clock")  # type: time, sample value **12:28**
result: **5:35**
